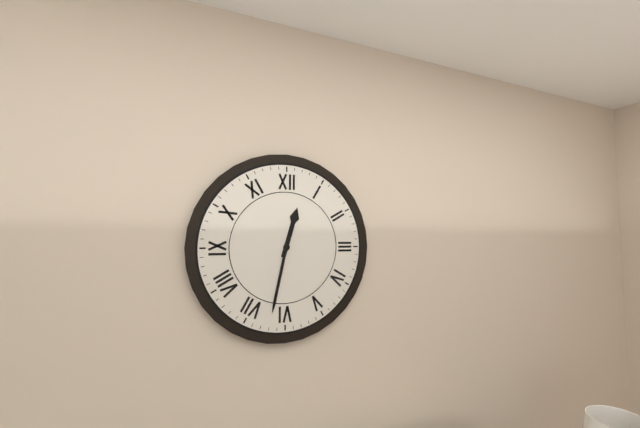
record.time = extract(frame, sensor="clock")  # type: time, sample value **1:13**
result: **12:32**
